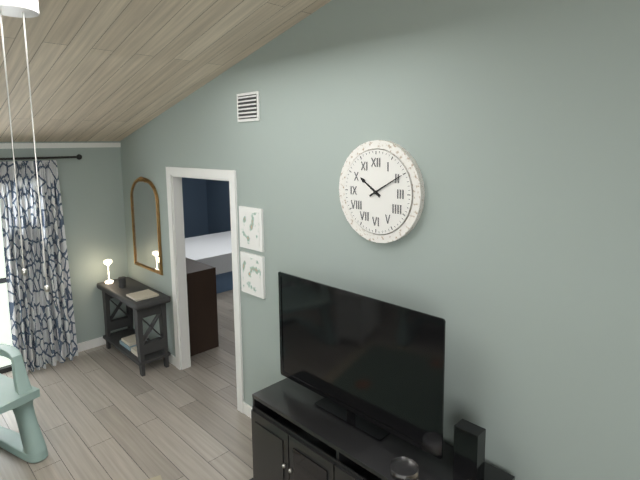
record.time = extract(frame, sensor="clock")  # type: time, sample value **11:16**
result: **10:10**
